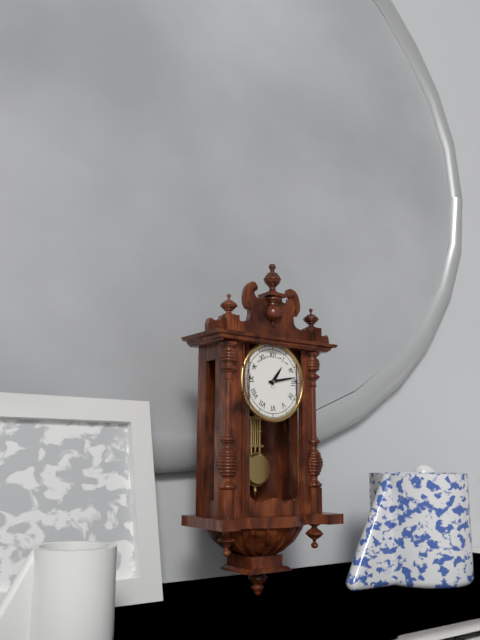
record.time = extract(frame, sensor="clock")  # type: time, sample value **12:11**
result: **1:13**
